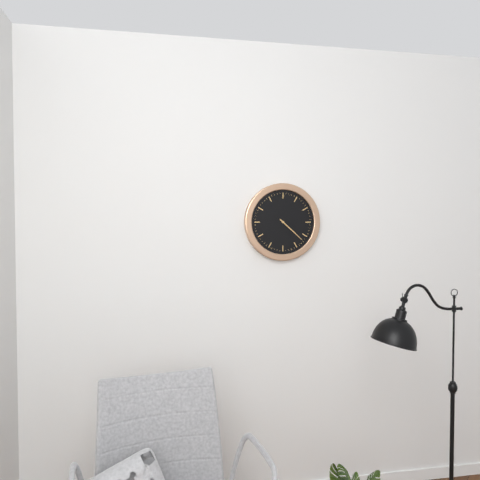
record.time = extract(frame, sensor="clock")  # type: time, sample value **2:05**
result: **4:22**
